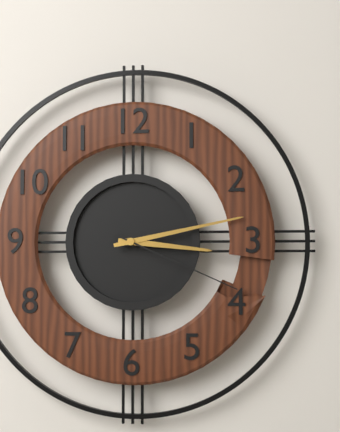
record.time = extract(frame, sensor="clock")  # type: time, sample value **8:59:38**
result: **3:13:19**
